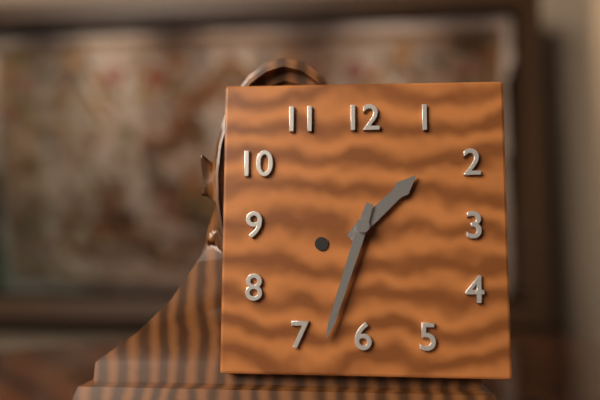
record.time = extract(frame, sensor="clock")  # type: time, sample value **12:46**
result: **1:33**
